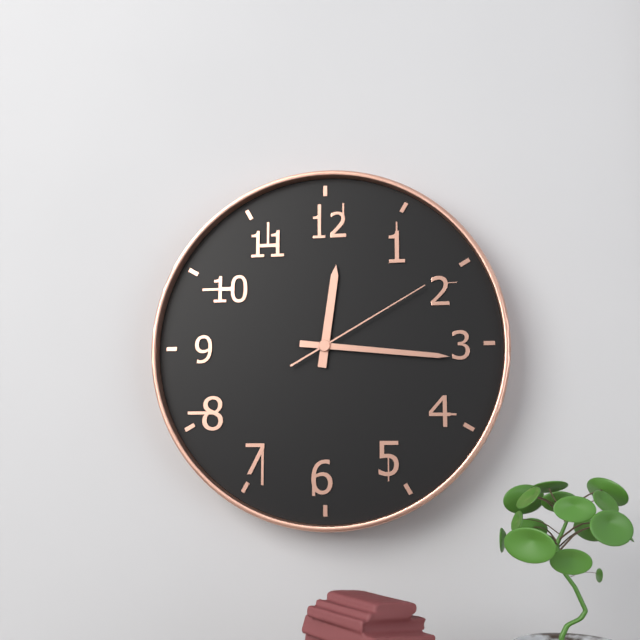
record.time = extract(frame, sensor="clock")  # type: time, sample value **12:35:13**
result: **12:16:10**
